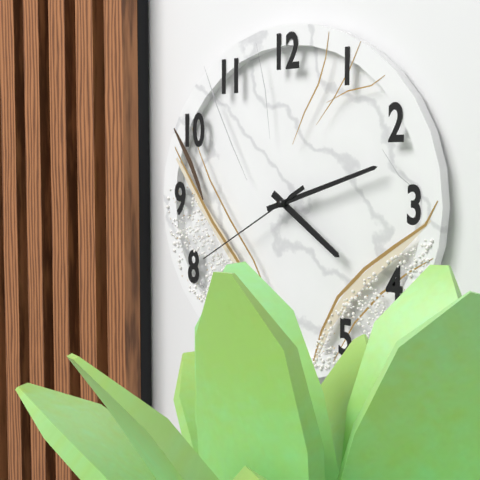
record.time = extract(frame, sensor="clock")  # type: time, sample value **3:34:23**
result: **4:12:40**
